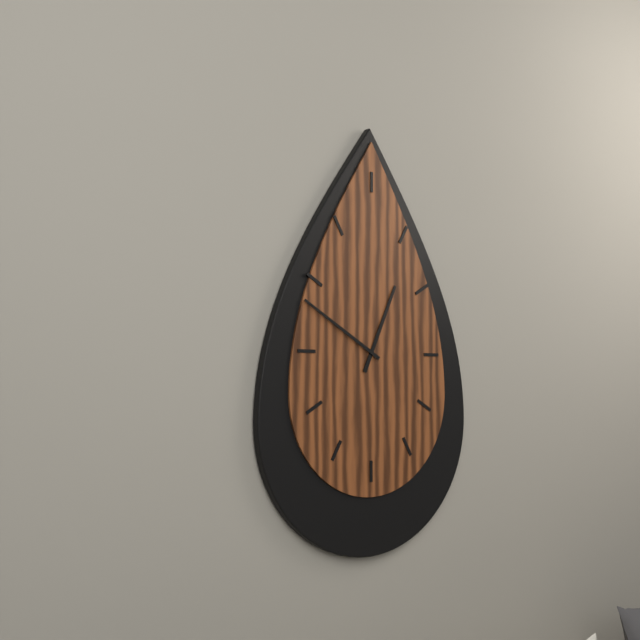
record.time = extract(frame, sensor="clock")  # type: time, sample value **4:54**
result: **12:50**
